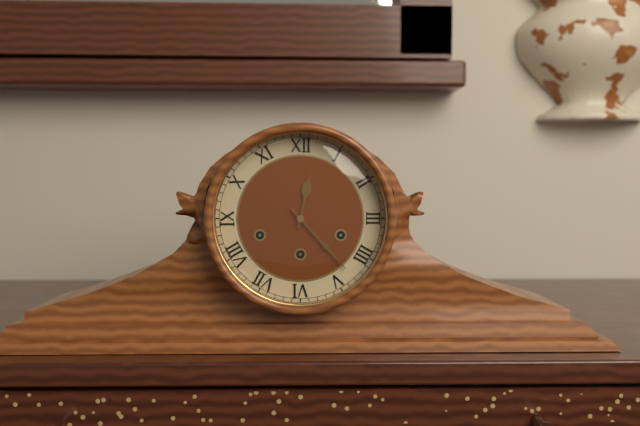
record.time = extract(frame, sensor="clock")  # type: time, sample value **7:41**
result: **12:23**
